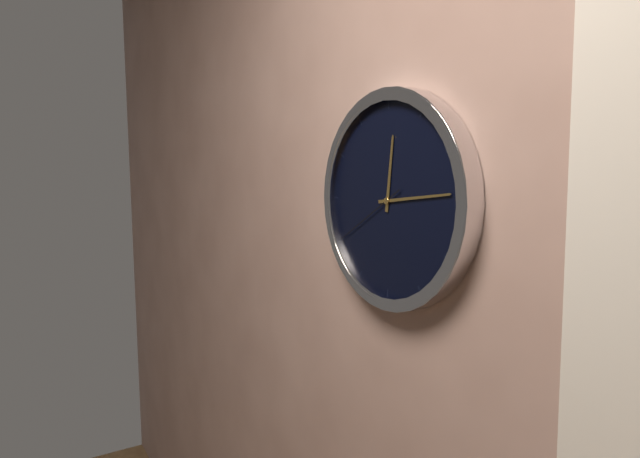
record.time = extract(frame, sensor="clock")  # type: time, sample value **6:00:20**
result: **12:14:40**
